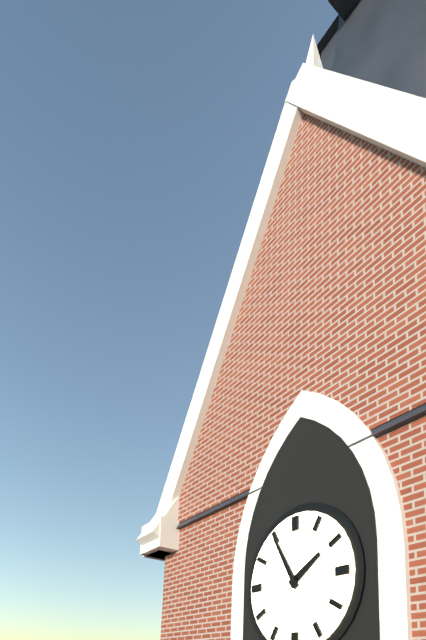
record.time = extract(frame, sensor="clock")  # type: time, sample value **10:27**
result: **1:55**
